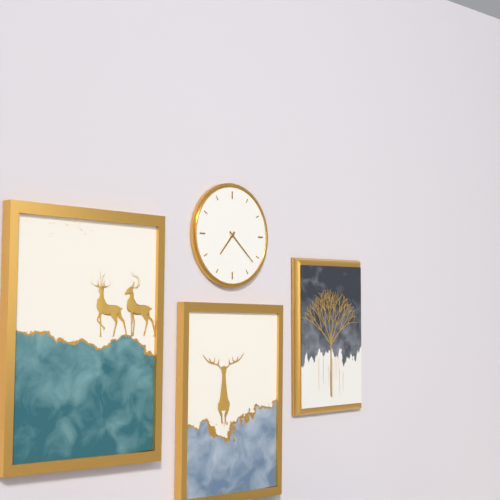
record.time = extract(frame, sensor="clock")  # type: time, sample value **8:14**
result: **7:22**
